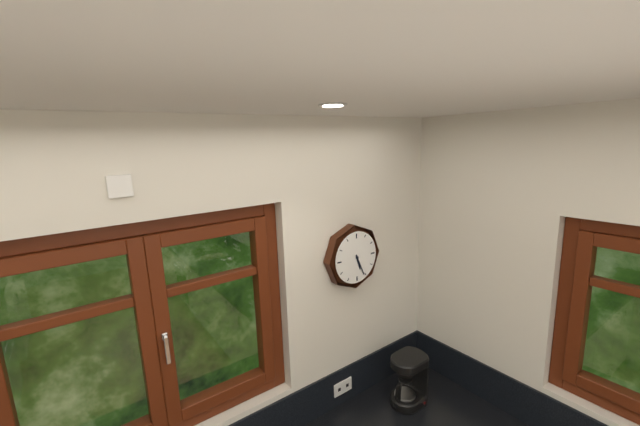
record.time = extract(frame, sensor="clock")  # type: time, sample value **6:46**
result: **5:26**
